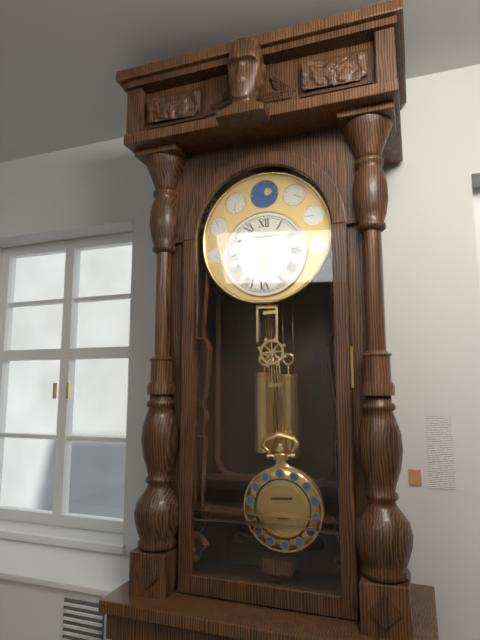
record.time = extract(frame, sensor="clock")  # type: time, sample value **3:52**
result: **6:23**
